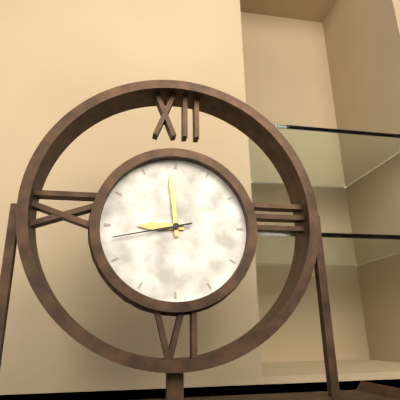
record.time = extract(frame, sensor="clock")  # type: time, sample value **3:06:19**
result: **8:59:43**
